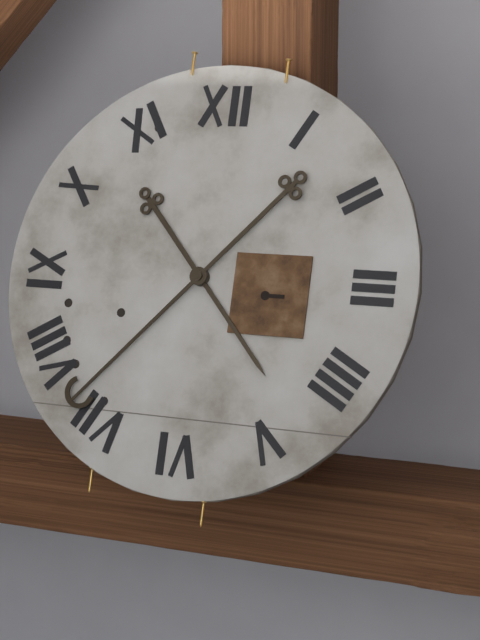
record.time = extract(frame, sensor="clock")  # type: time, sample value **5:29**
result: **4:37**
